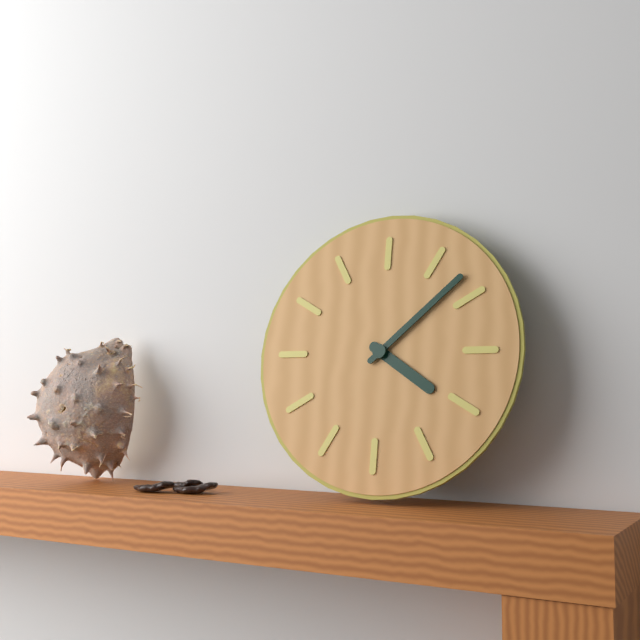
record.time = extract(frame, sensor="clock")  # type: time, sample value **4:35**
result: **4:08**
